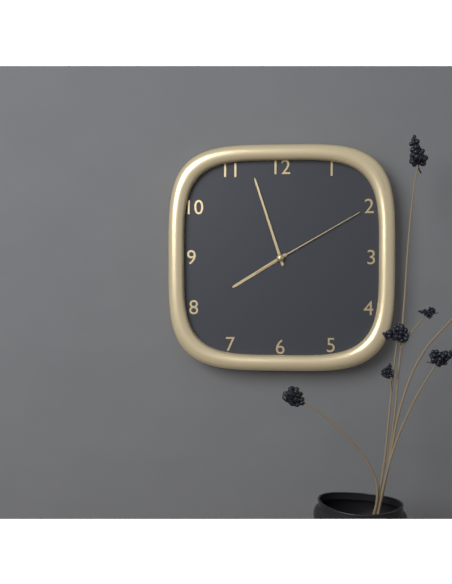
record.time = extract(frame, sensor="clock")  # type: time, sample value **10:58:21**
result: **7:57:10**
